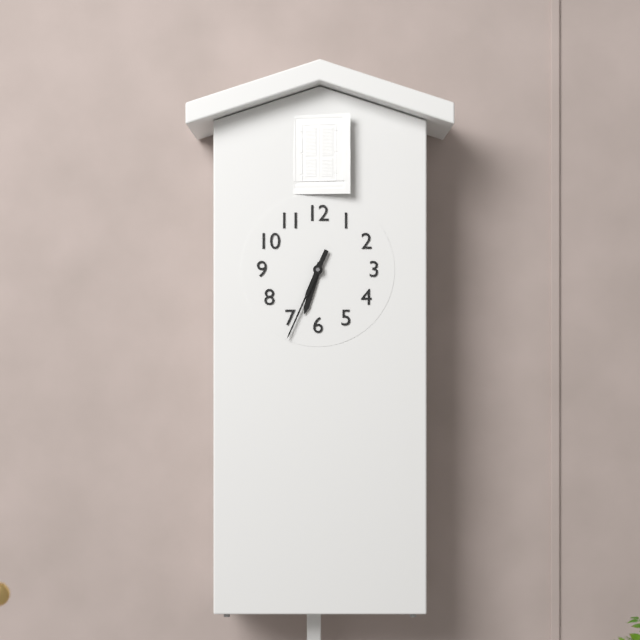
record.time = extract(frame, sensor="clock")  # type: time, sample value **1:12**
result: **6:34**
